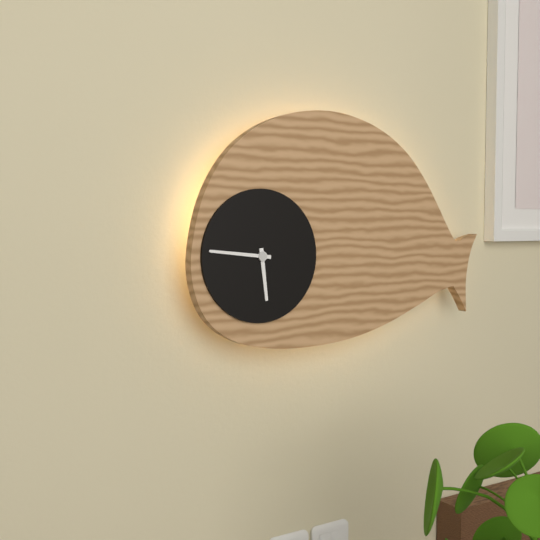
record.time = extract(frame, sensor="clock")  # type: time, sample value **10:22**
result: **5:46**
